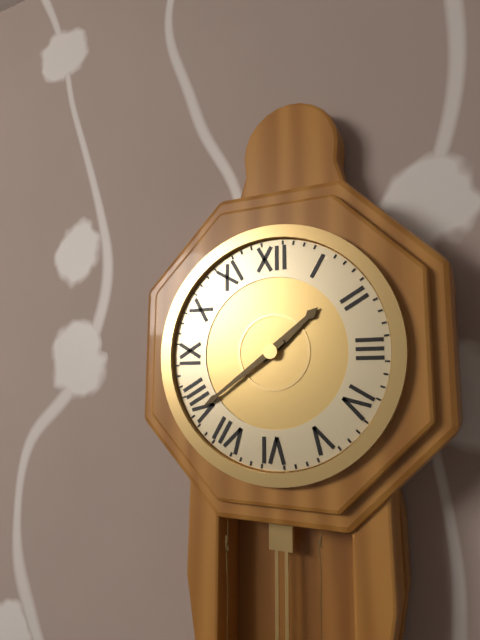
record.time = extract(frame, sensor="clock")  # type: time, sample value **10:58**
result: **1:39**
